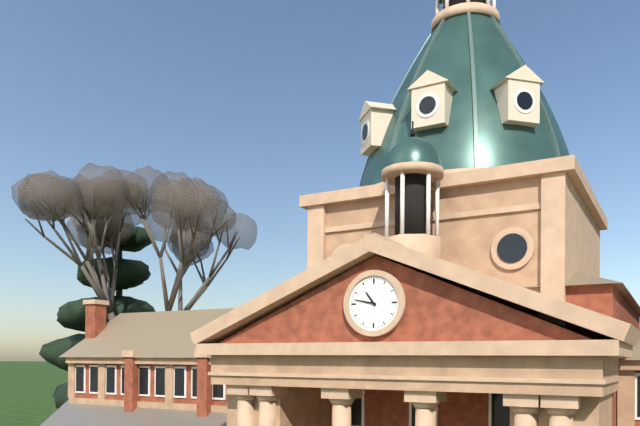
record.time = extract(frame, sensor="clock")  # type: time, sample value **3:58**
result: **10:47**
